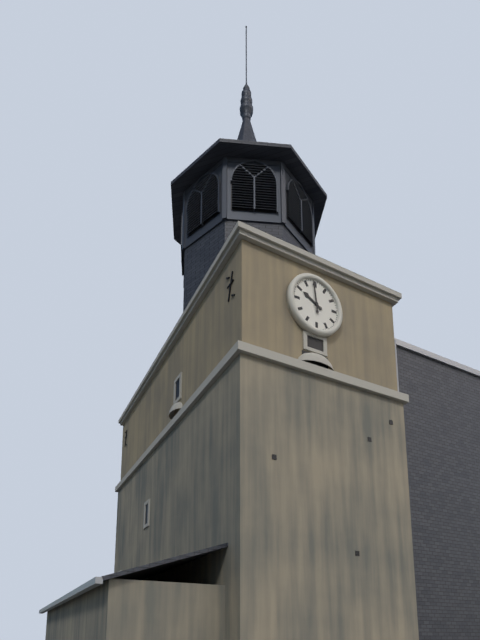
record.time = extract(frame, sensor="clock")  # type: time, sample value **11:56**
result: **9:59**
